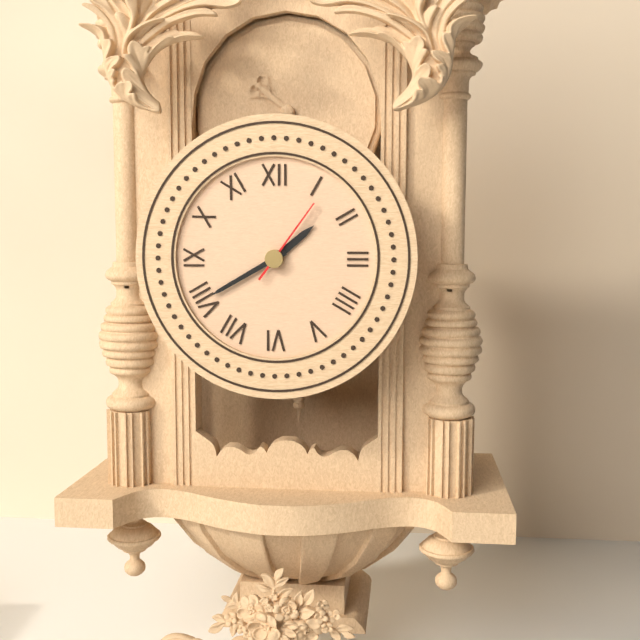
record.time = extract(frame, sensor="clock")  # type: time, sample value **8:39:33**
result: **1:40:06**
